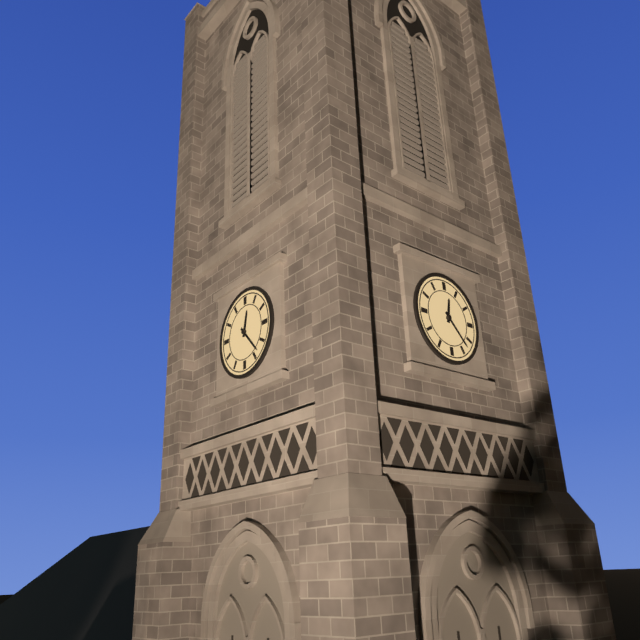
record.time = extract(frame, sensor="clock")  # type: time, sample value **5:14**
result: **12:23**
